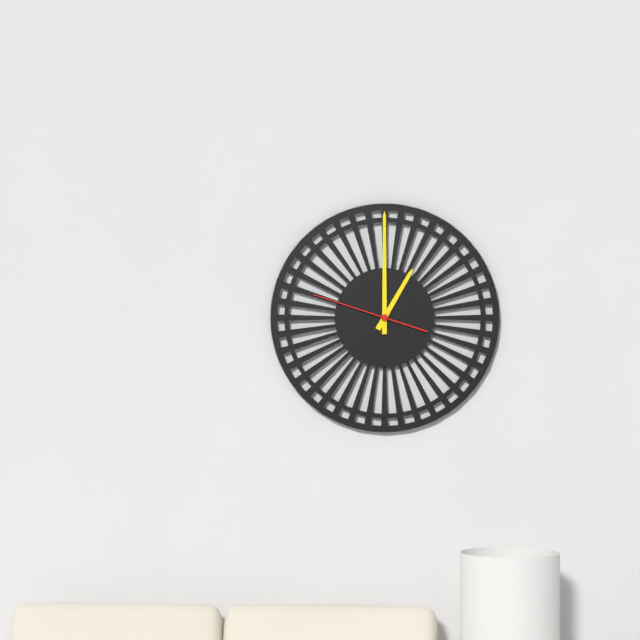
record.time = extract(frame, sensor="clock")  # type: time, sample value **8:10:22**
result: **1:00:48**
